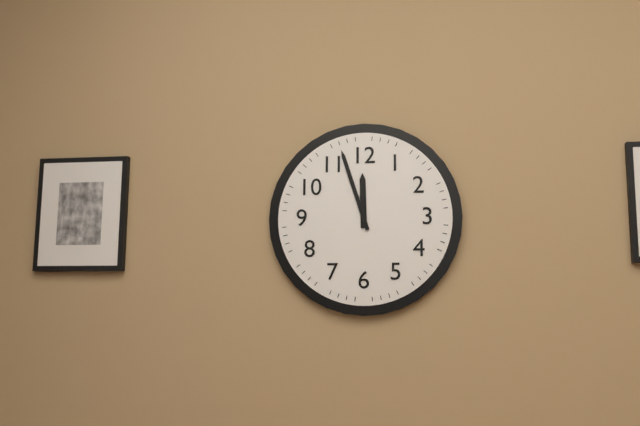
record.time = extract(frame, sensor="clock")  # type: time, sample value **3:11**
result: **11:57**
